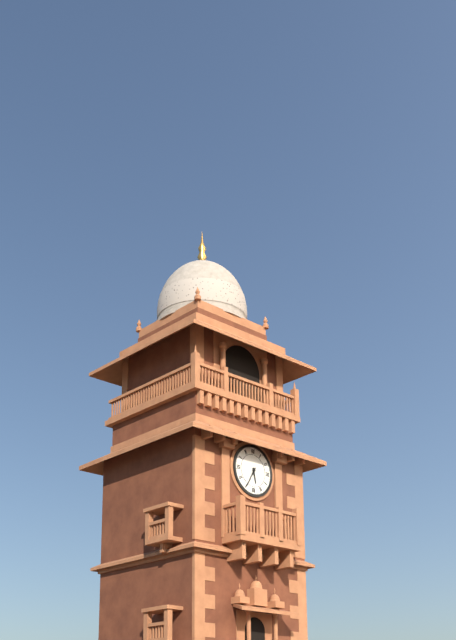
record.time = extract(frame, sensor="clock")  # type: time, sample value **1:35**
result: **5:35**
